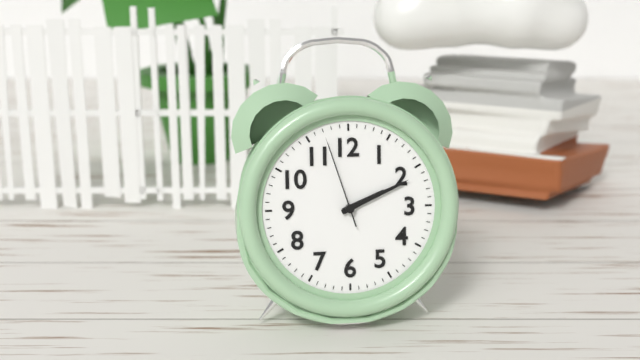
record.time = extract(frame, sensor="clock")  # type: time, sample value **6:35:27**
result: **2:11:57**
